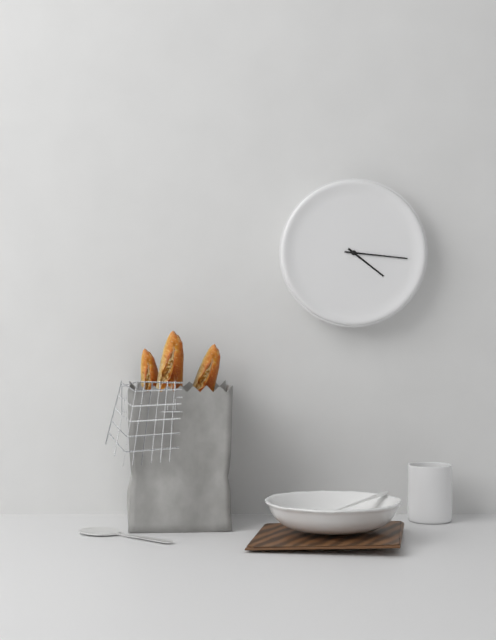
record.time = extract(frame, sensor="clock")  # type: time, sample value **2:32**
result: **4:16**
